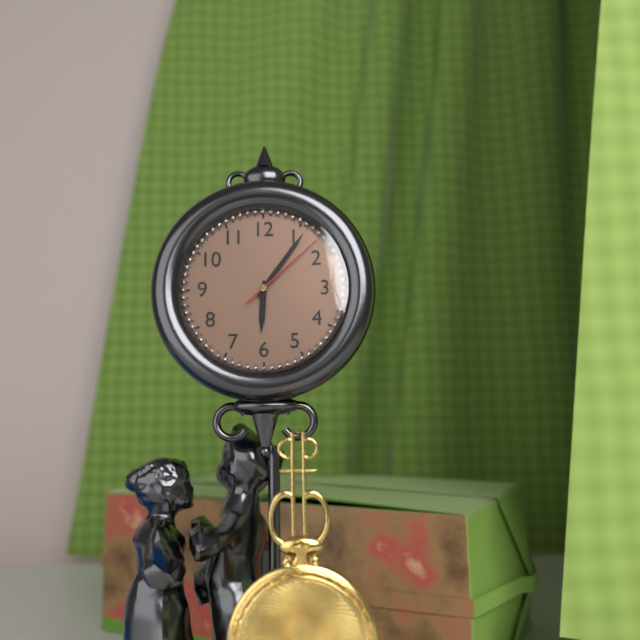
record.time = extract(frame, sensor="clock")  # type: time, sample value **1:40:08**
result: **6:06:08**
